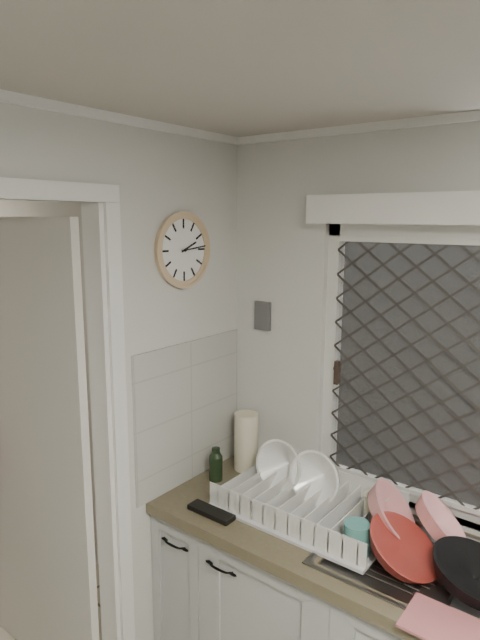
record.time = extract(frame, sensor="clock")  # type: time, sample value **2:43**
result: **2:14**
